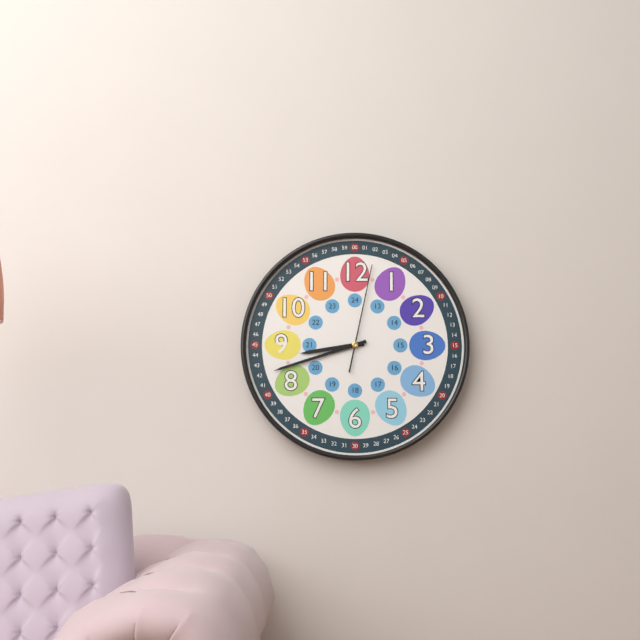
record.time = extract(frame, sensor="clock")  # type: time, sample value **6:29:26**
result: **8:42:02**
